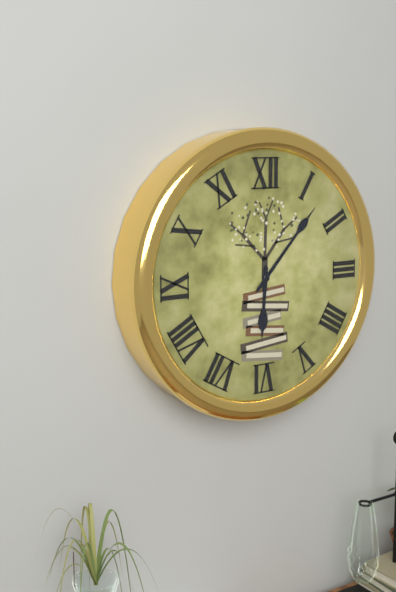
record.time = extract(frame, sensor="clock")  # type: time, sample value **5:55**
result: **6:07**
